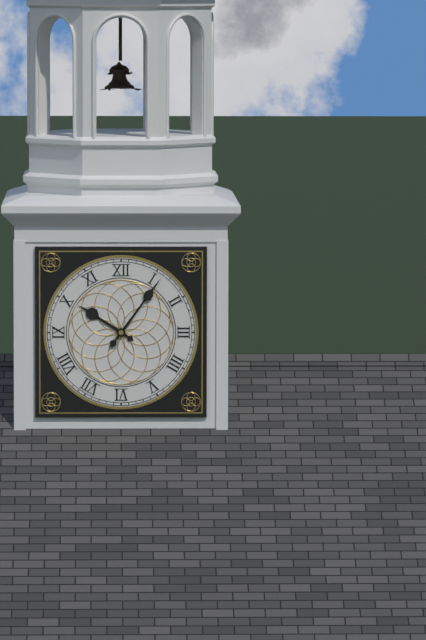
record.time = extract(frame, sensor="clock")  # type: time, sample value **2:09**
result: **10:06**
